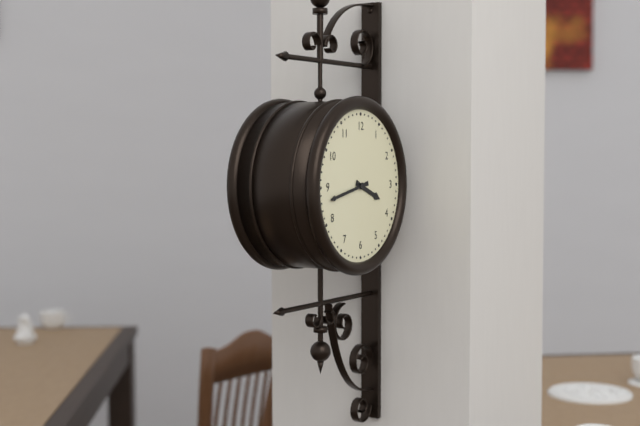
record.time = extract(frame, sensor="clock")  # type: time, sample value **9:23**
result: **3:43**
